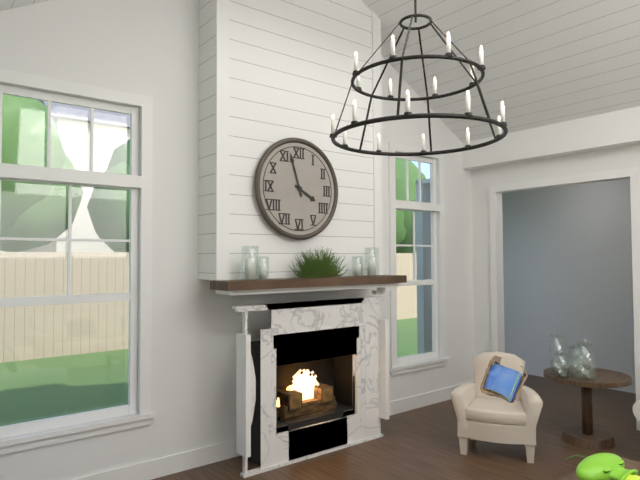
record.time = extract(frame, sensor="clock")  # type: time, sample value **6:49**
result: **3:57**
